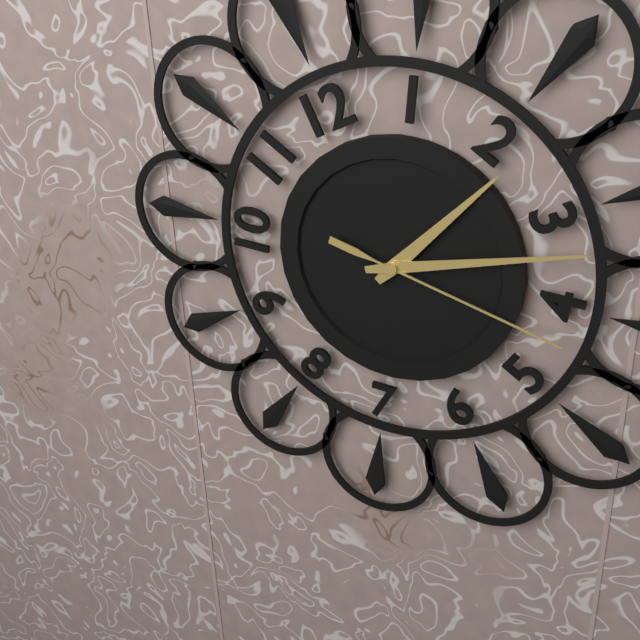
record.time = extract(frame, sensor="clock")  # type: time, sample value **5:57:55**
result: **2:17:22**
